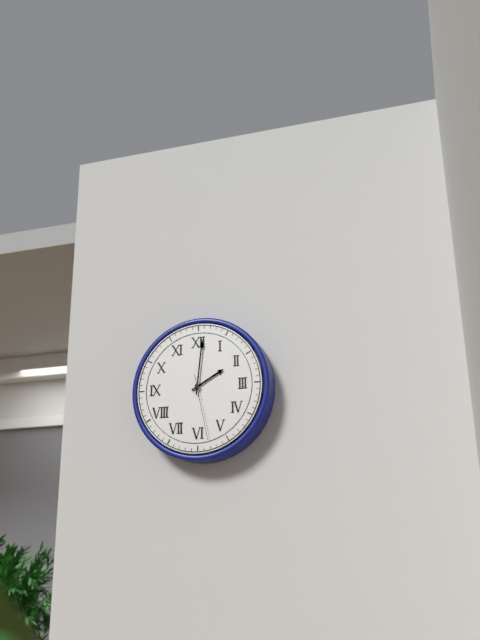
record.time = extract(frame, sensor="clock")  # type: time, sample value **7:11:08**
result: **2:01:28**
